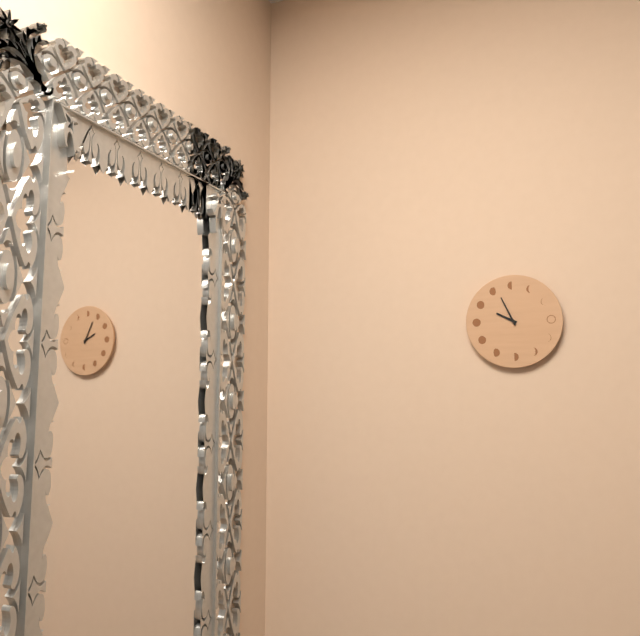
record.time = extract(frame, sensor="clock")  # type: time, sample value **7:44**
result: **9:56**
